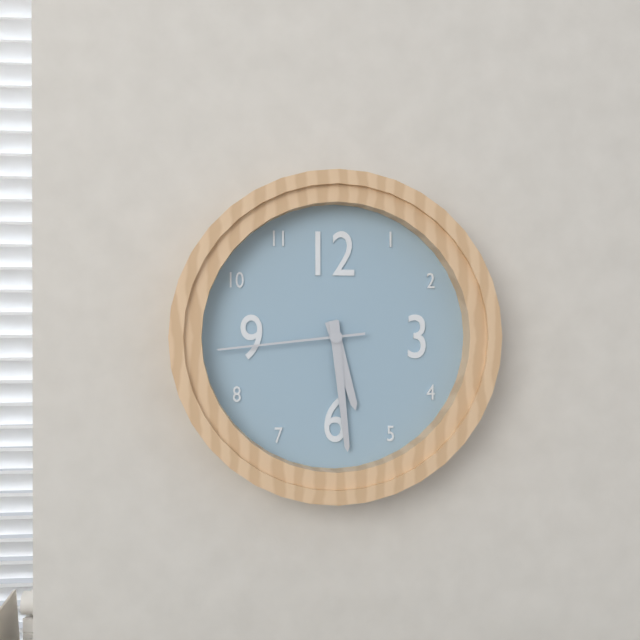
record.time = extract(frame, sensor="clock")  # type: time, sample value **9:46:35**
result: **5:29:44**
